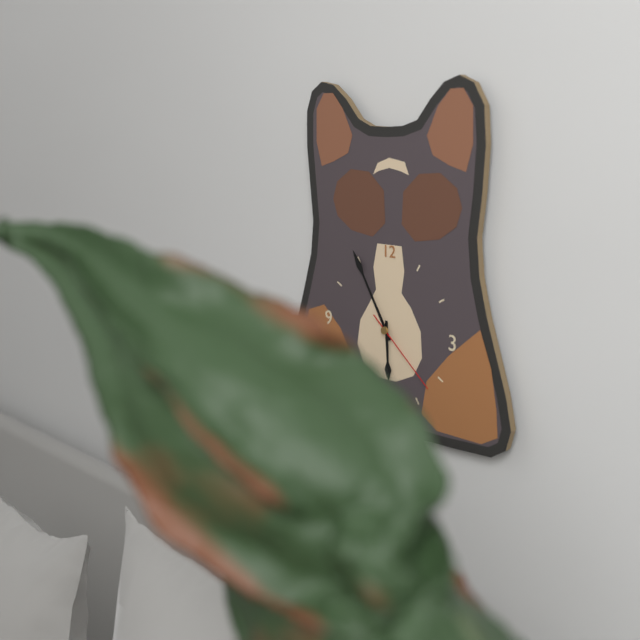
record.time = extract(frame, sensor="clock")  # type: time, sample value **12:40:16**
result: **5:55:22**
